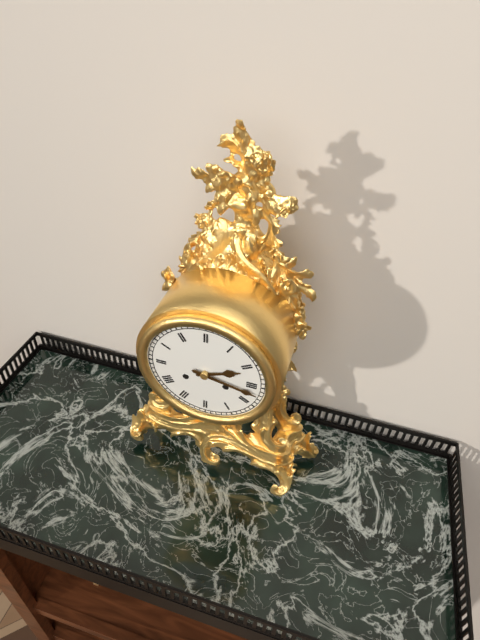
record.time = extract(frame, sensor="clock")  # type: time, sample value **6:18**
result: **2:17**
